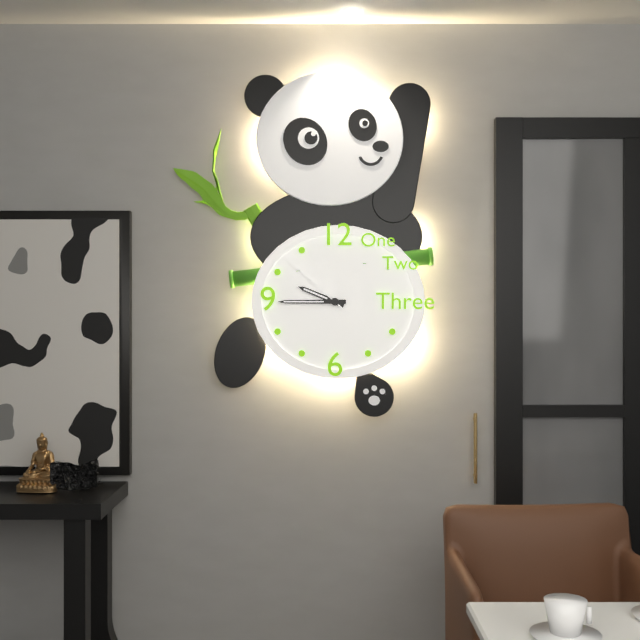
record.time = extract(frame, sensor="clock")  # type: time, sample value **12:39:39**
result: **9:45:52**
